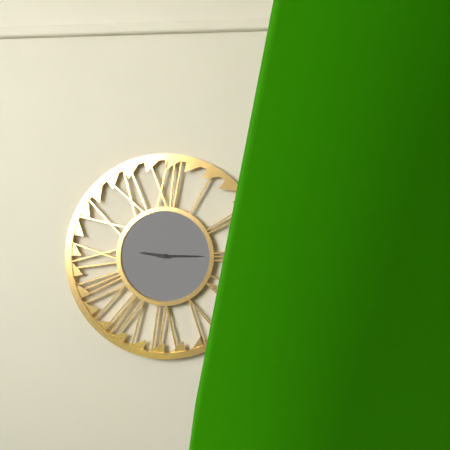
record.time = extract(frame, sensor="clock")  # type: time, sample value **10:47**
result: **9:15**
